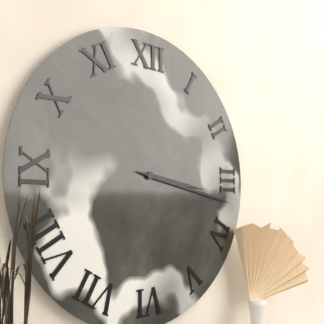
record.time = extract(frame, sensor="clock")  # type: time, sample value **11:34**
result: **3:17**
